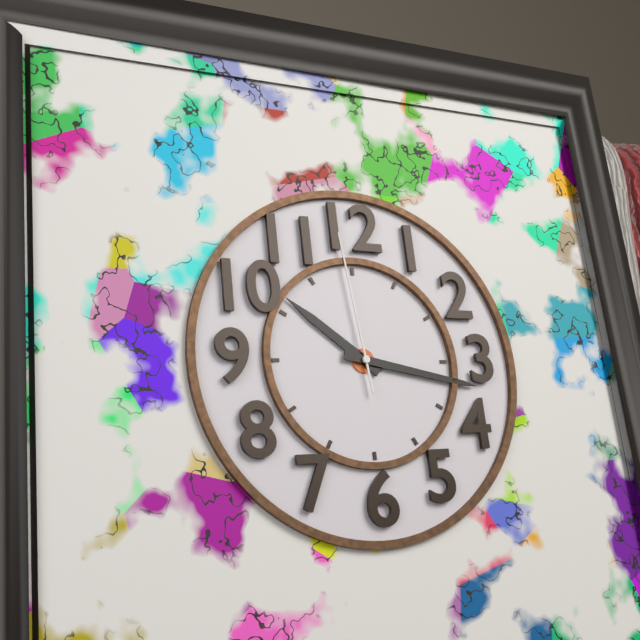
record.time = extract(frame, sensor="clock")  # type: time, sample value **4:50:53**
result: **10:17:59**
